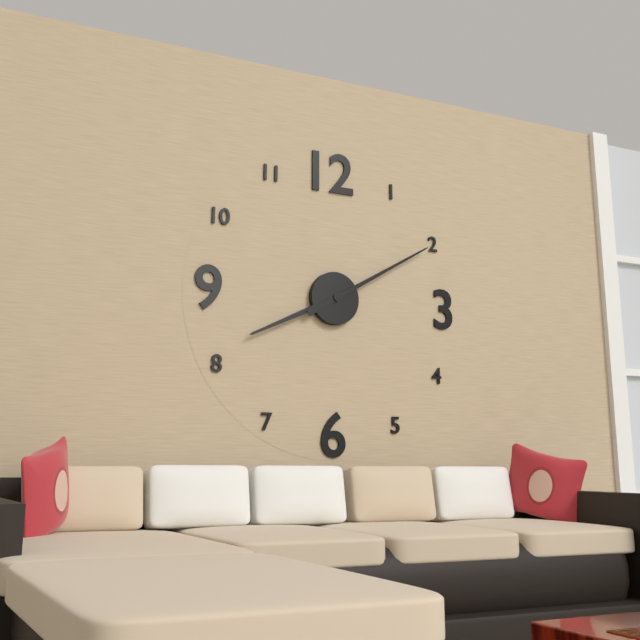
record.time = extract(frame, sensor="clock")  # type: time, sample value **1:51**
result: **8:10**
